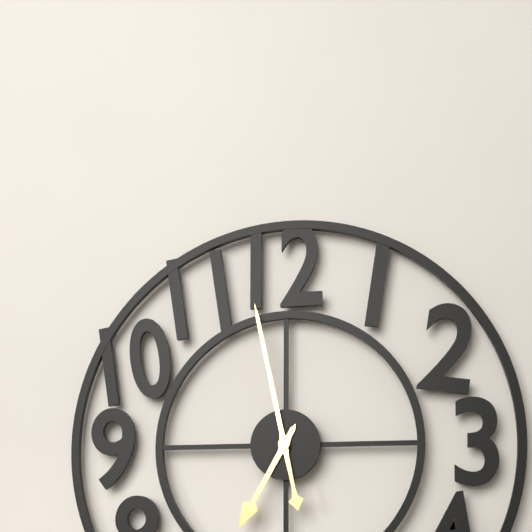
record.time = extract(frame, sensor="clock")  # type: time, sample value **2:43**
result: **6:58**
